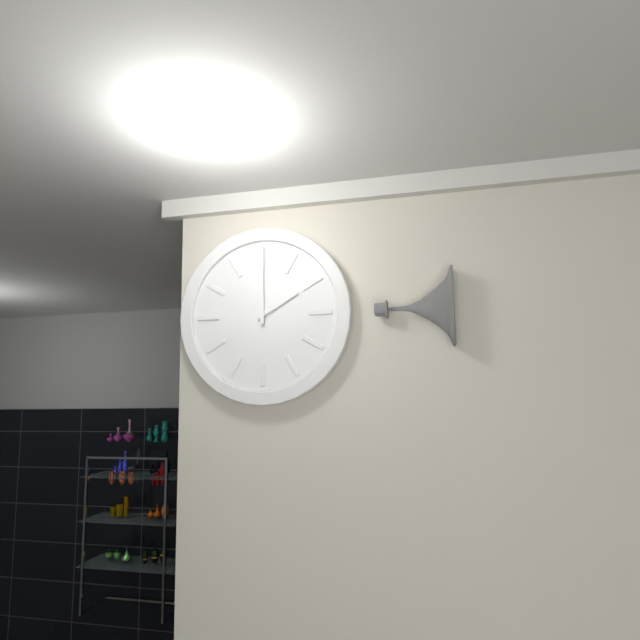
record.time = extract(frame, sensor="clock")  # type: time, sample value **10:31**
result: **2:00**
